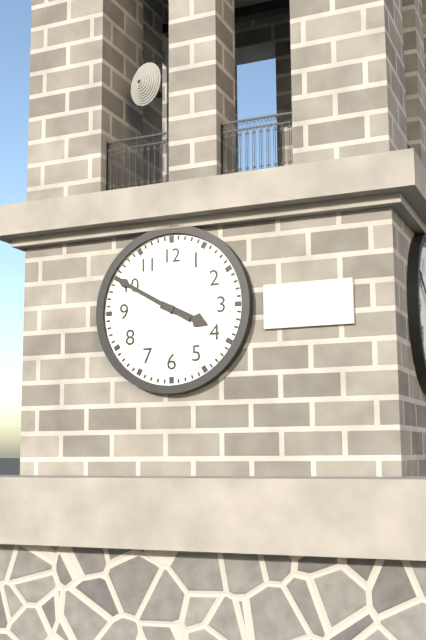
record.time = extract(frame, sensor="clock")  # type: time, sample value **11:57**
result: **3:50**
